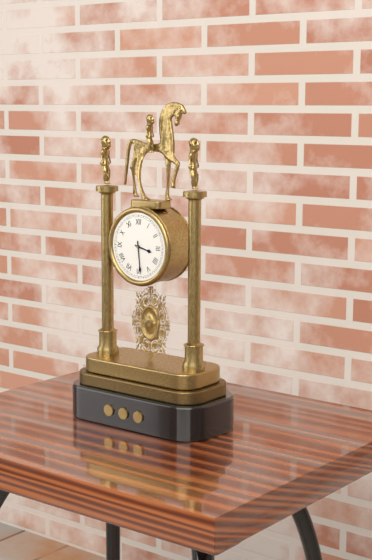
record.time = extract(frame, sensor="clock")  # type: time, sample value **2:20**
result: **3:29**
